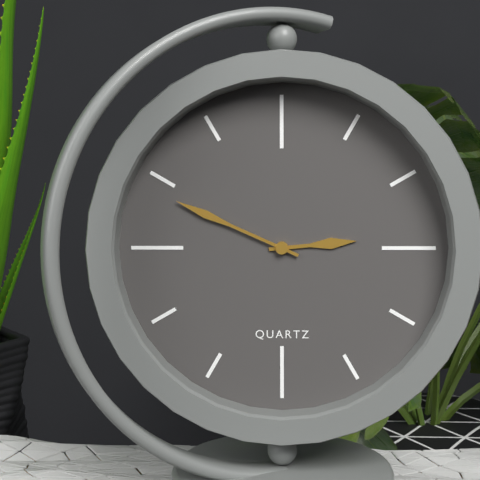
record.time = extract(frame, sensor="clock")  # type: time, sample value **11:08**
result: **2:49**
